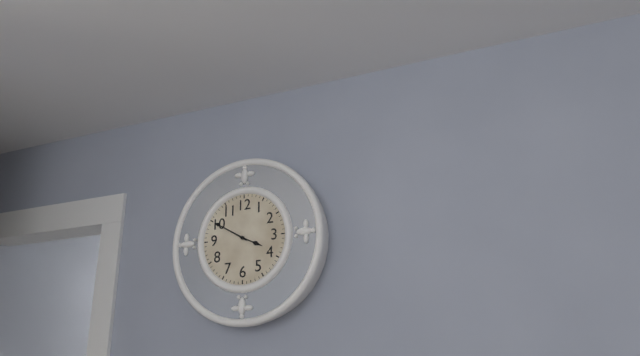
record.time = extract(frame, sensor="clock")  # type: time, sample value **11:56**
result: **3:50**
